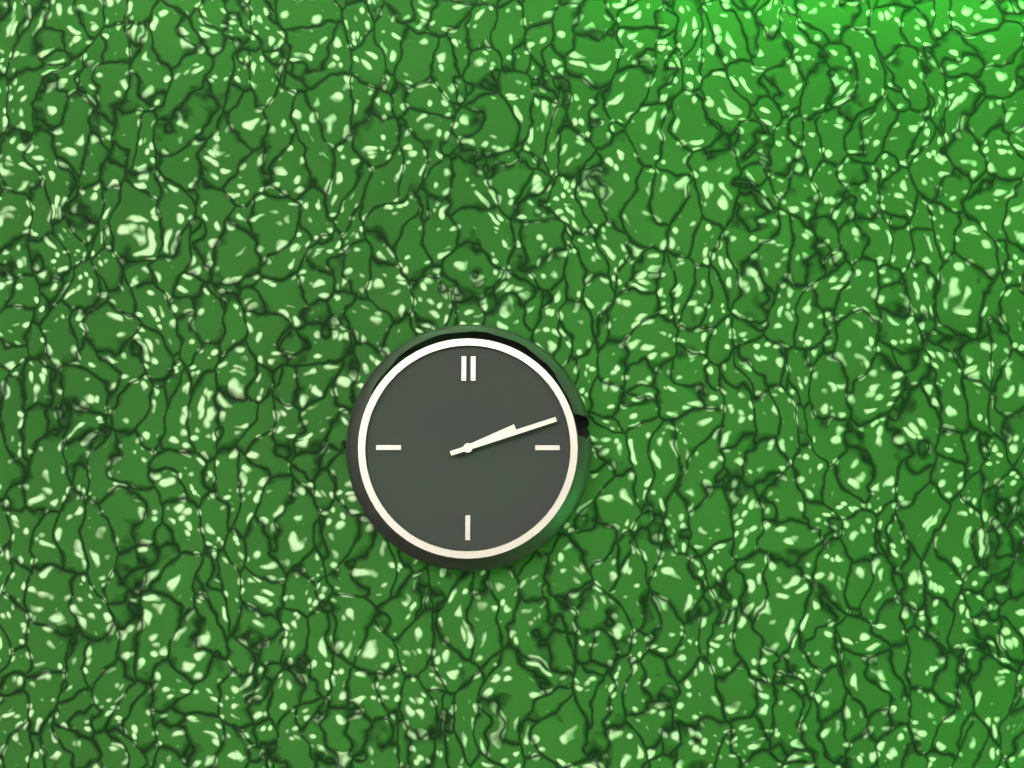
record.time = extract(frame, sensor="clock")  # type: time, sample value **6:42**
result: **2:12**
